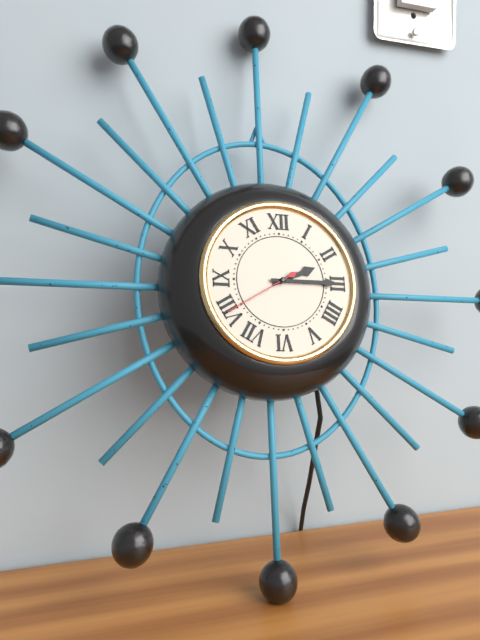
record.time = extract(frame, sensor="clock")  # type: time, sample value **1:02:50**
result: **2:15:40**
